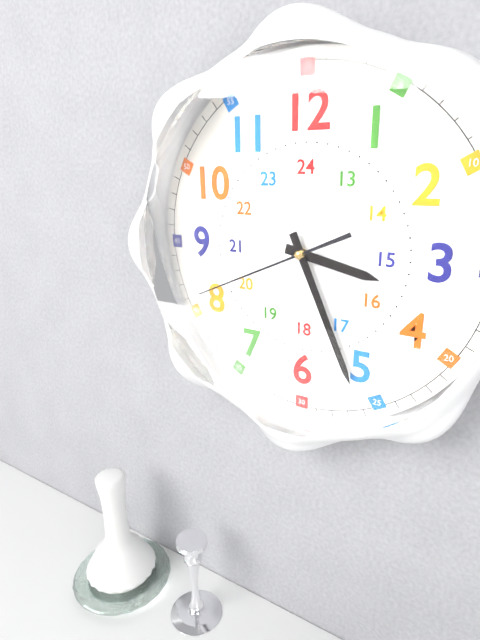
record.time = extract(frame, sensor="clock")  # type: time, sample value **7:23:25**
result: **3:26:41**
